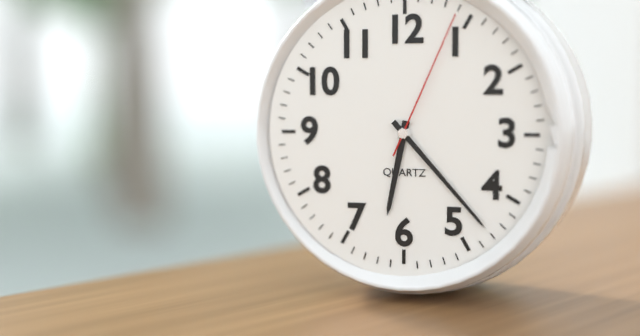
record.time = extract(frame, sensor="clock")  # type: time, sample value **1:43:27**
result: **6:23:04**
